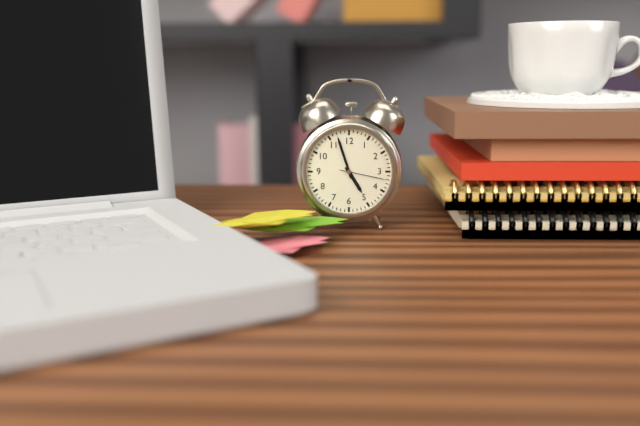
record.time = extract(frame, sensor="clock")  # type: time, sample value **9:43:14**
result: **4:57:17**
